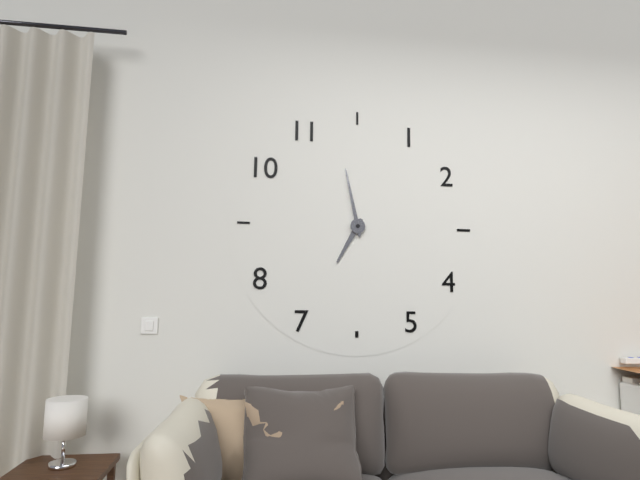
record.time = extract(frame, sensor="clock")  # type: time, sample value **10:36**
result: **6:58**
